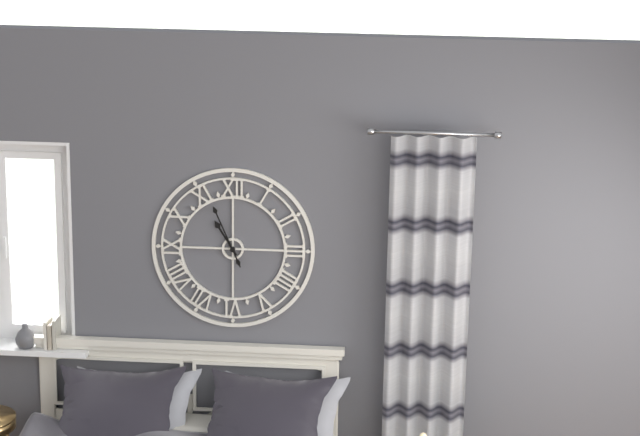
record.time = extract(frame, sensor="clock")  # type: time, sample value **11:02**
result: **10:56**
